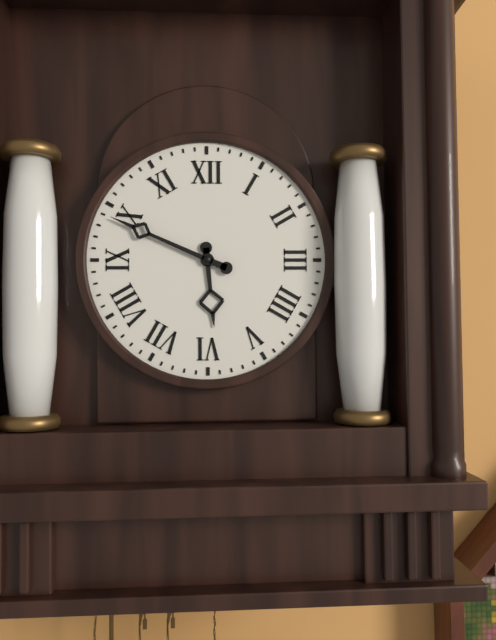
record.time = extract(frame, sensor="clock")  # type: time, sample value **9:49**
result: **5:49**
